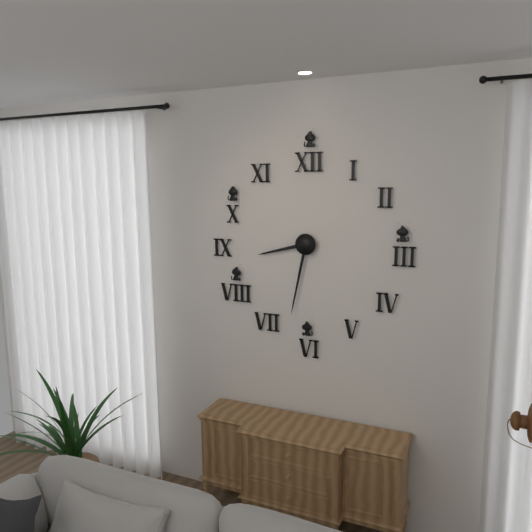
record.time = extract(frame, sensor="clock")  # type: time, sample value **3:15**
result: **8:32**
